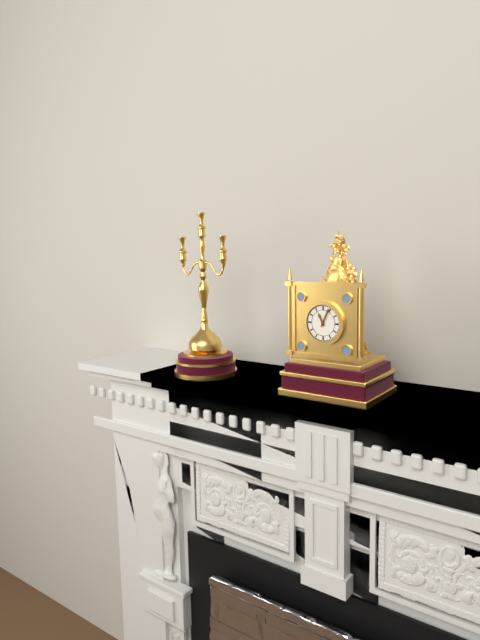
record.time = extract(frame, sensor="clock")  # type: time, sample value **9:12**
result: **11:04**
